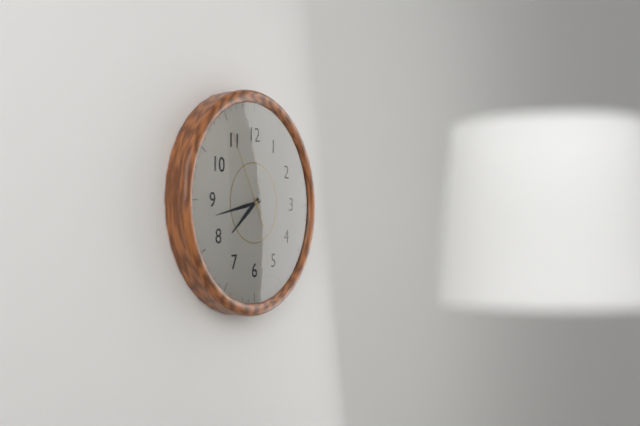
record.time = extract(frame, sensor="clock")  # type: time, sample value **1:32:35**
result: **7:43:55**
